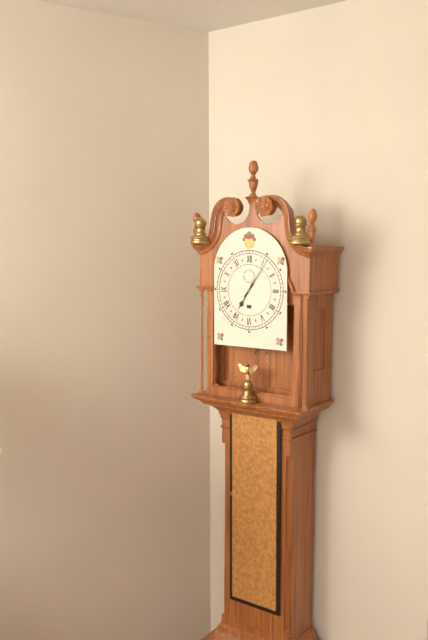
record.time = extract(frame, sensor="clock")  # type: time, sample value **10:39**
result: **7:06**
